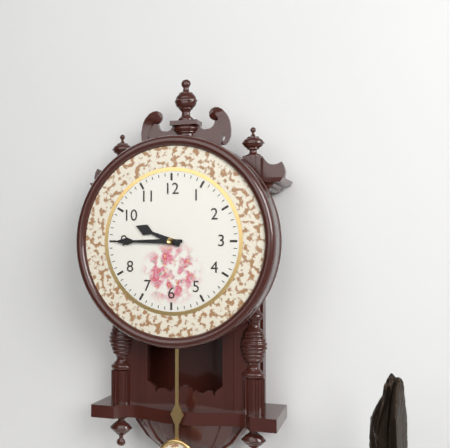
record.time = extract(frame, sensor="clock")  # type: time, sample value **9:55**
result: **9:45**
